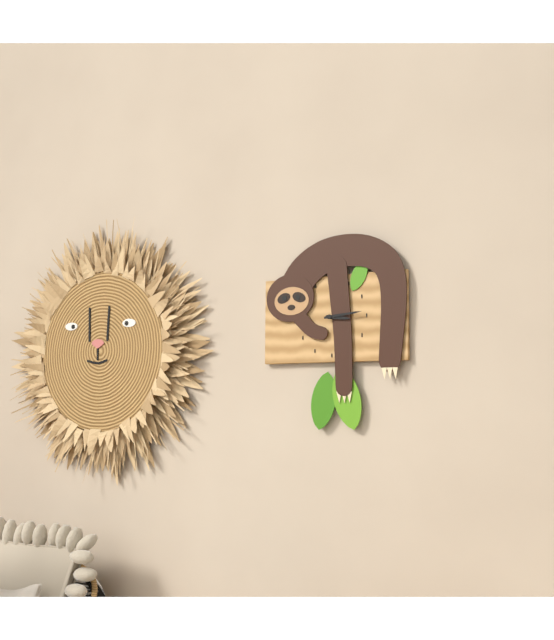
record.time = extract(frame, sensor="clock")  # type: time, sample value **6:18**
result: **3:14**
